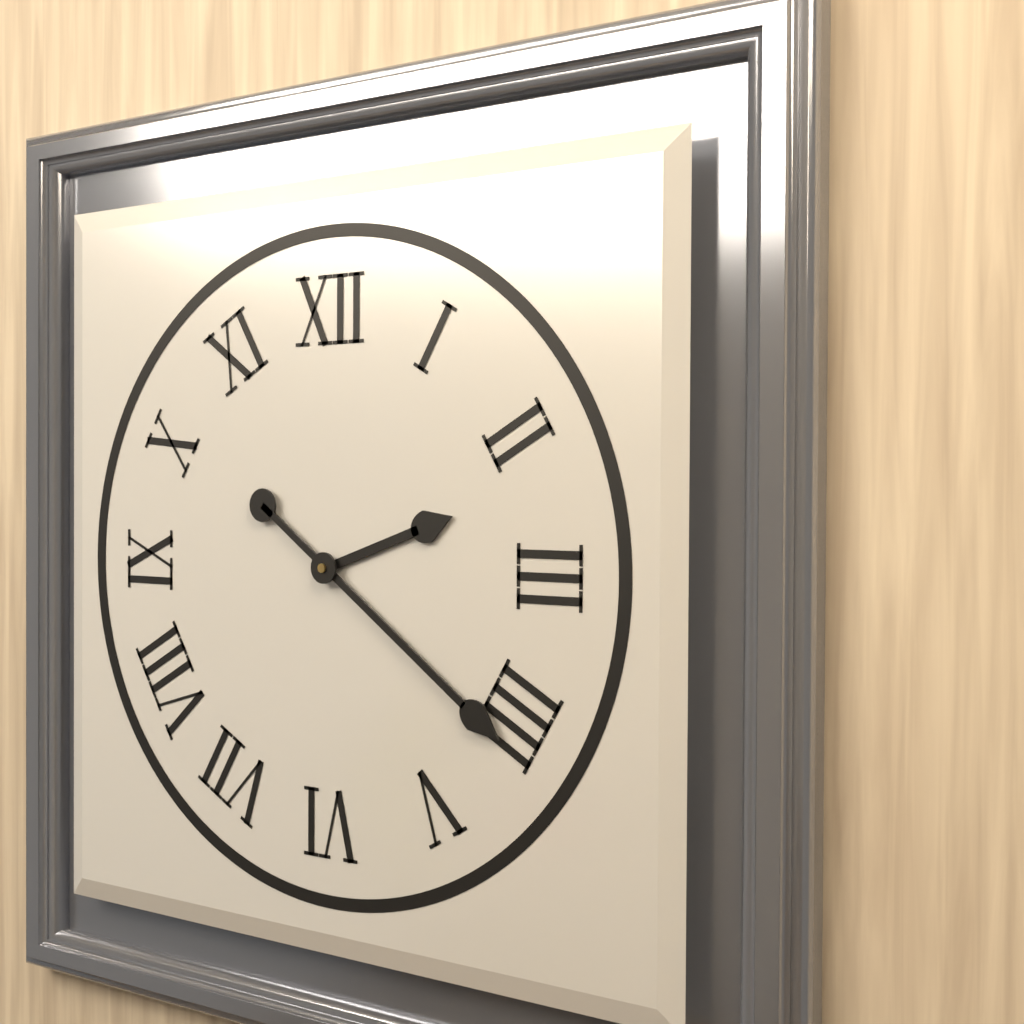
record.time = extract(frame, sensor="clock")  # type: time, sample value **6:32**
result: **2:21**
